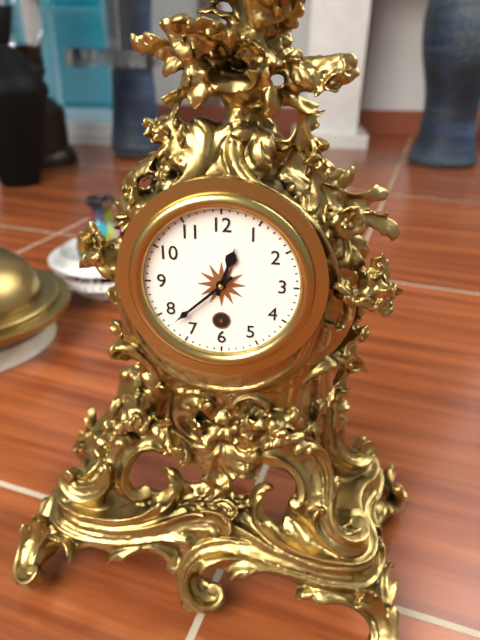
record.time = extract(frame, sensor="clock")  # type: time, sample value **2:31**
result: **12:38**
